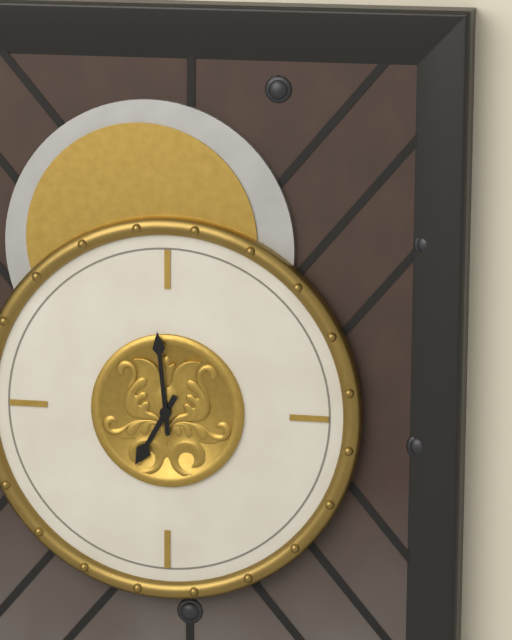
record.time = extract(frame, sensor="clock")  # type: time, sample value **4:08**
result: **6:59**
